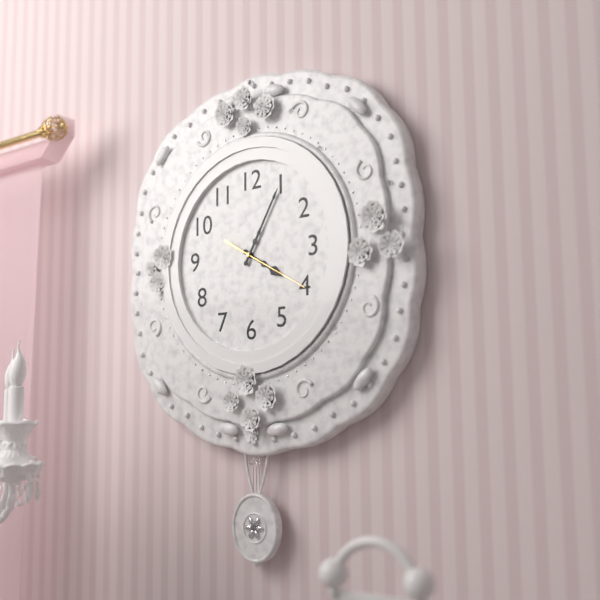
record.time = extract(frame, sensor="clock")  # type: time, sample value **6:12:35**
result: **4:05:20**
